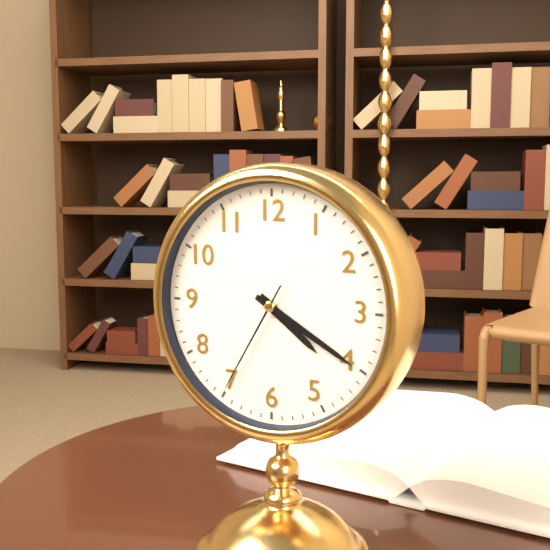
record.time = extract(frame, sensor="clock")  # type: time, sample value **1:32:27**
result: **4:20:35**
